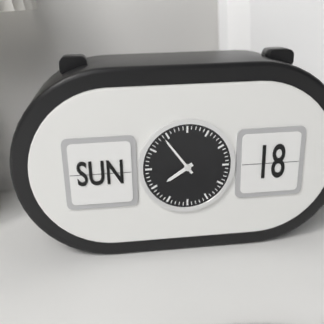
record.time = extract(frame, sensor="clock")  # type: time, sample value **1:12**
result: **7:54**
